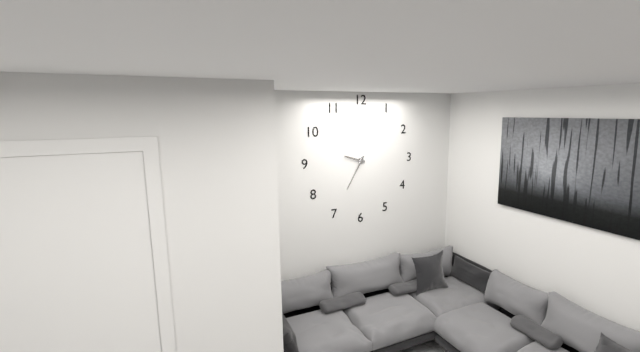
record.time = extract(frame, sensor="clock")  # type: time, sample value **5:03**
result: **9:35**
